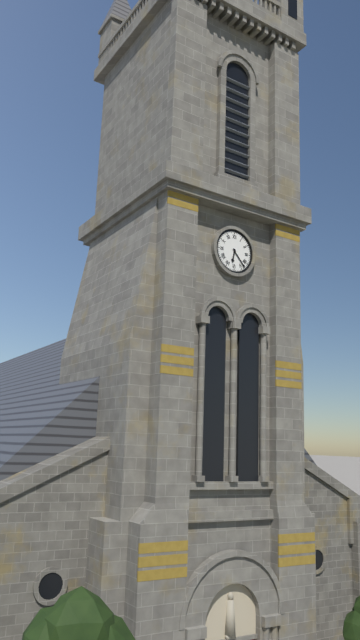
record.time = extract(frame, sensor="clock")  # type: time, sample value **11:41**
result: **6:23**
